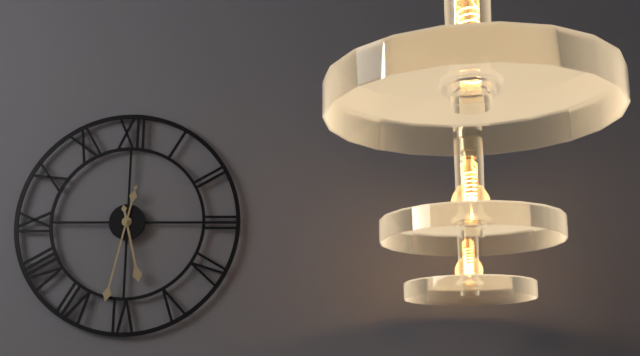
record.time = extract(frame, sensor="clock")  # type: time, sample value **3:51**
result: **5:32**
